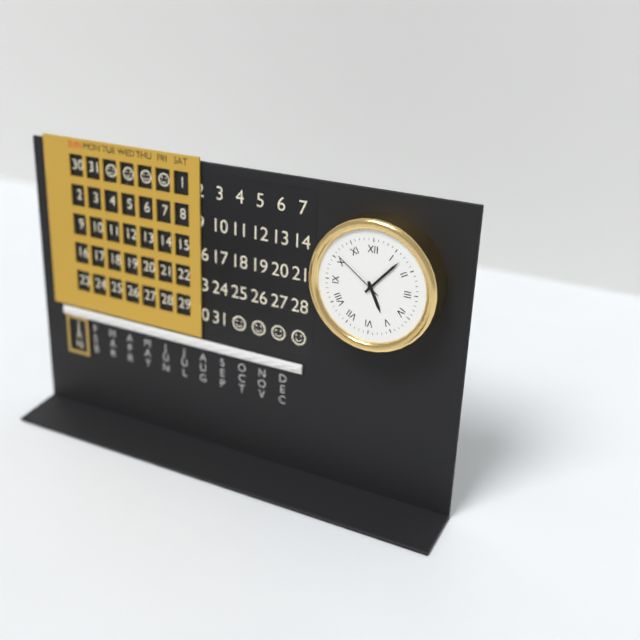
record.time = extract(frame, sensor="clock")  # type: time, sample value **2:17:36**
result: **5:07:51**
